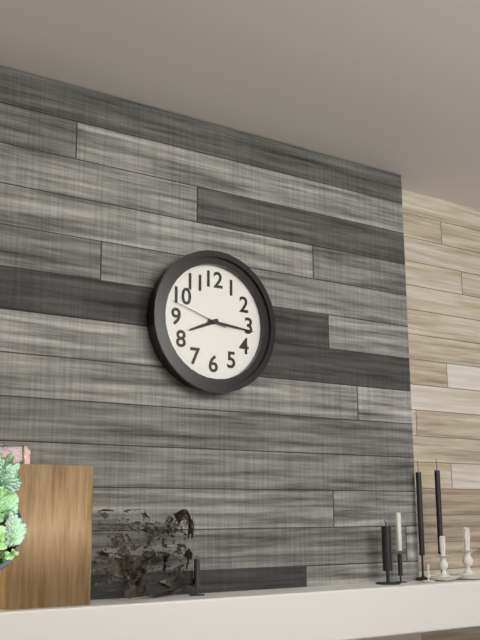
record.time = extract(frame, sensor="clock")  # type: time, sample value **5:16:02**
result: **8:16:48**
